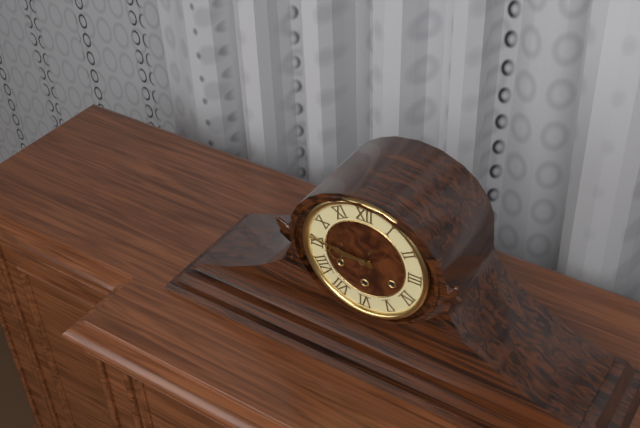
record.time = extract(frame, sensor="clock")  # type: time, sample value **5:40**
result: **8:46**
